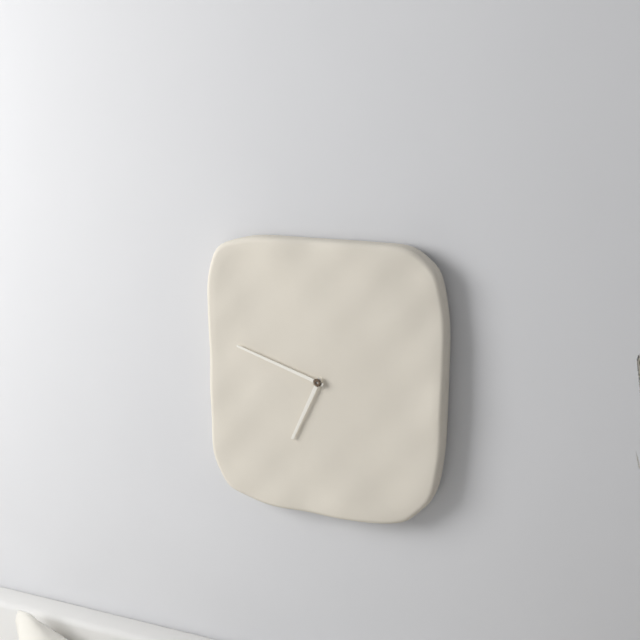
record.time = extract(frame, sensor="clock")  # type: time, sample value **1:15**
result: **6:48**
